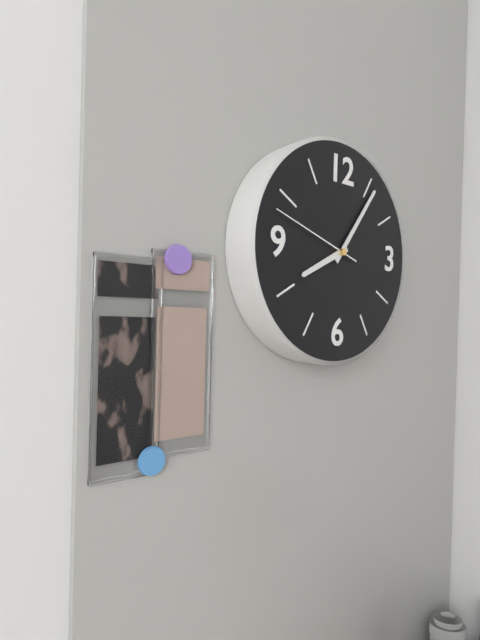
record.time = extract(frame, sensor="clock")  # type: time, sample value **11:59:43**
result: **8:06:48**
